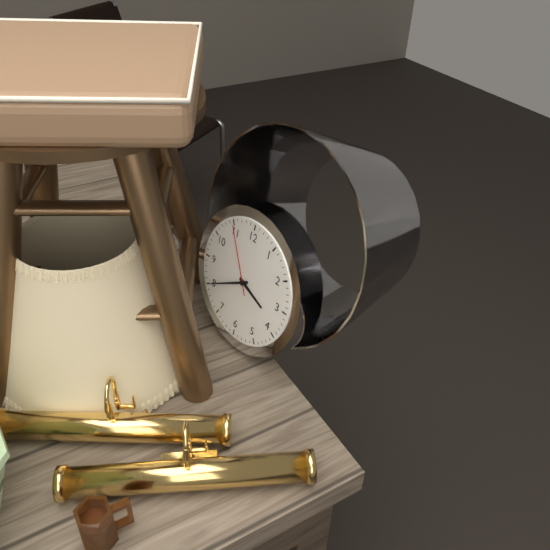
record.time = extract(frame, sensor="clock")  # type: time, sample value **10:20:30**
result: **3:40:55**
